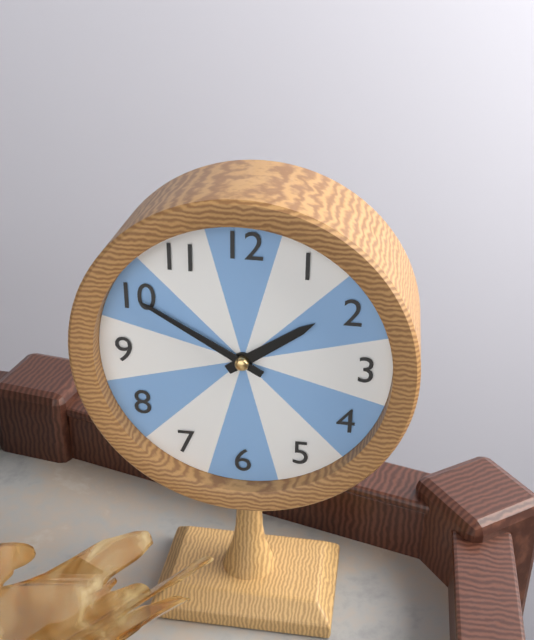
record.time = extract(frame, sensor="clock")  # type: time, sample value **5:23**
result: **1:50**
